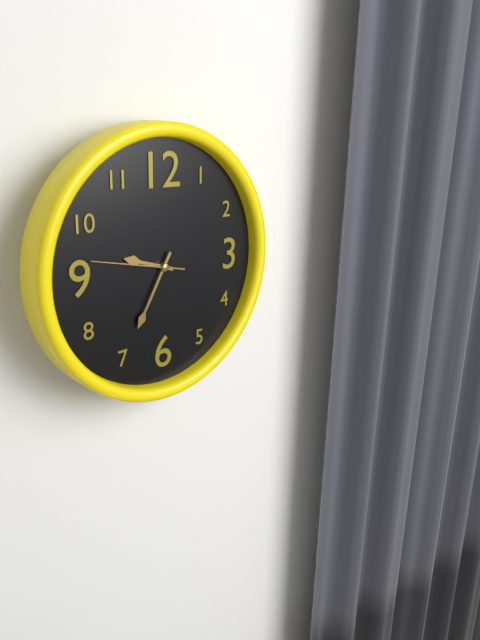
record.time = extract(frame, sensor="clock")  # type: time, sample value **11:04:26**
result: **9:35:47**
